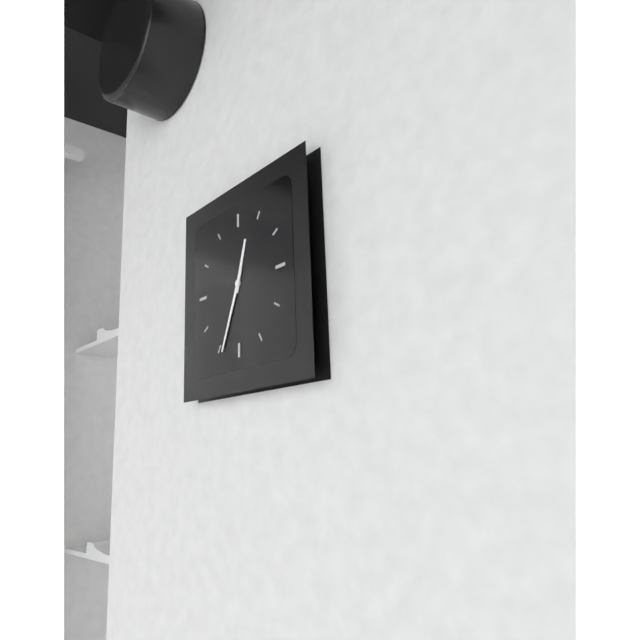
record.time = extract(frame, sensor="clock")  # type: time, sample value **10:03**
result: **12:34**
